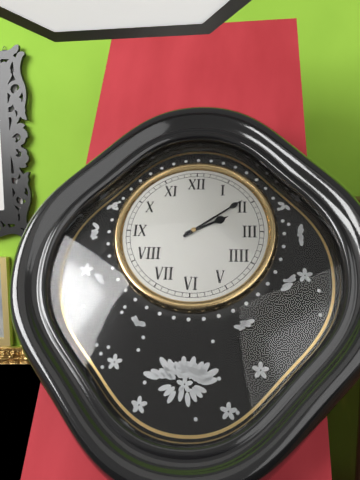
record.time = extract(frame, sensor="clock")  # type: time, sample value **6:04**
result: **2:09**
